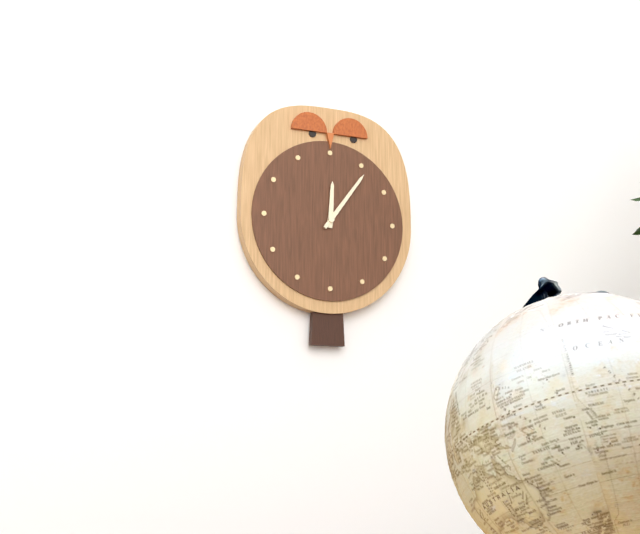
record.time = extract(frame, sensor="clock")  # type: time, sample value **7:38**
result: **12:06**
